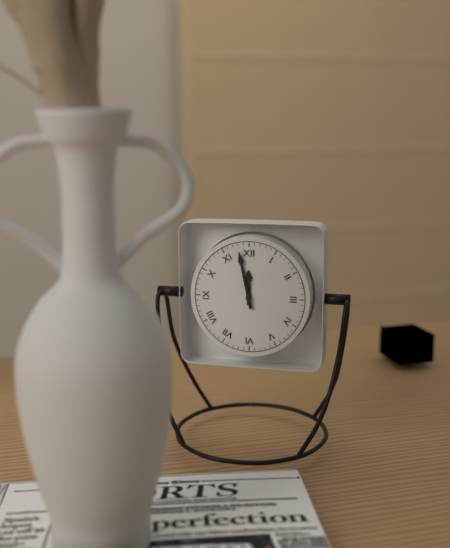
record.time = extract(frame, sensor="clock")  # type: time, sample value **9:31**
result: **11:58**
